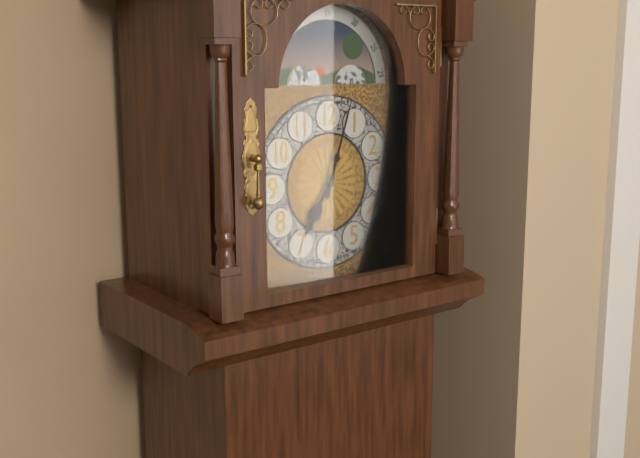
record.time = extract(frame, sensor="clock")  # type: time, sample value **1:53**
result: **7:03**
